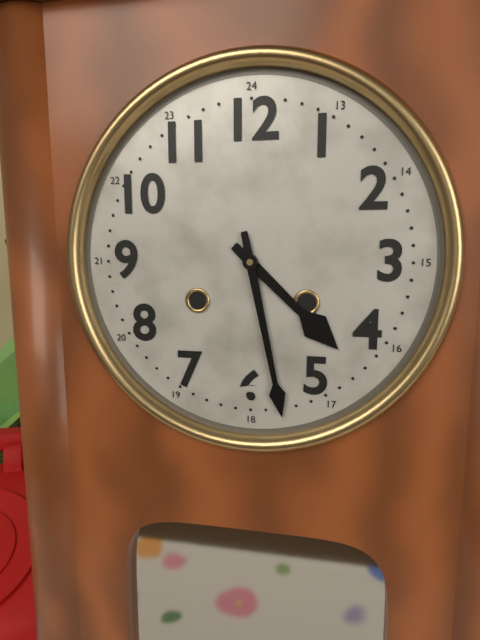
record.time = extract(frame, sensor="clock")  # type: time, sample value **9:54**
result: **4:28**
